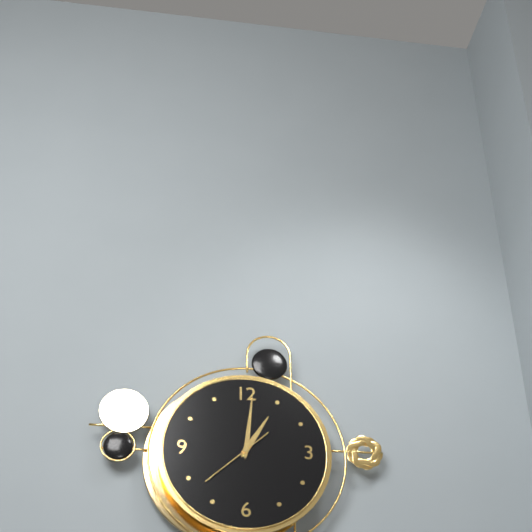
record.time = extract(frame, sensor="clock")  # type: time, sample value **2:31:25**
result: **1:01:38**
